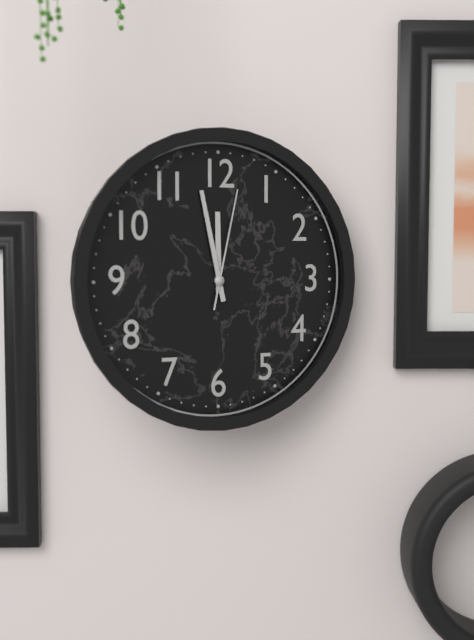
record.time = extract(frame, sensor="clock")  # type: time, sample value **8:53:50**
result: **11:58:02**
